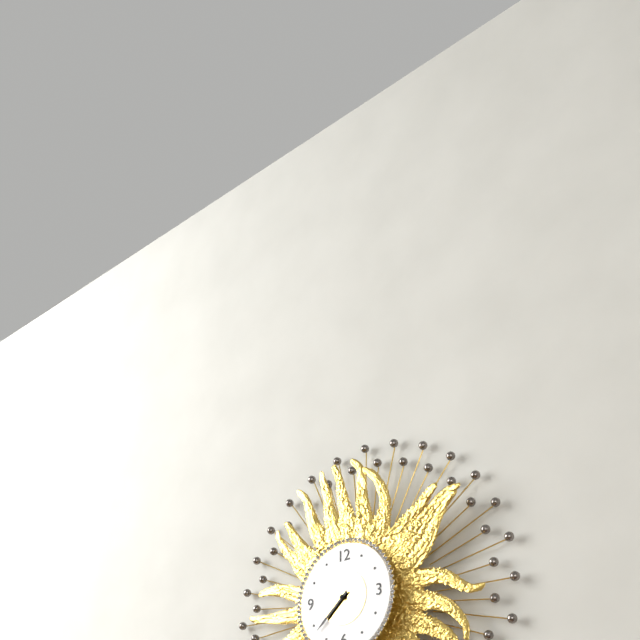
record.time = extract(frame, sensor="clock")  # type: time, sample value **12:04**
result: **7:38**
